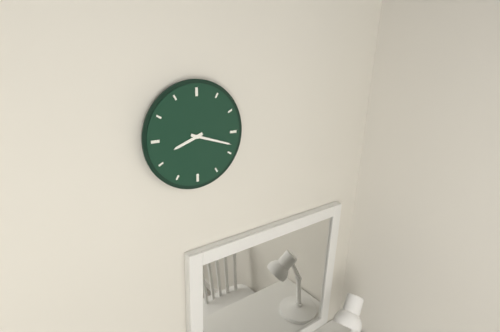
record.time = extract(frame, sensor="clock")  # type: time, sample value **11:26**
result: **8:18**
